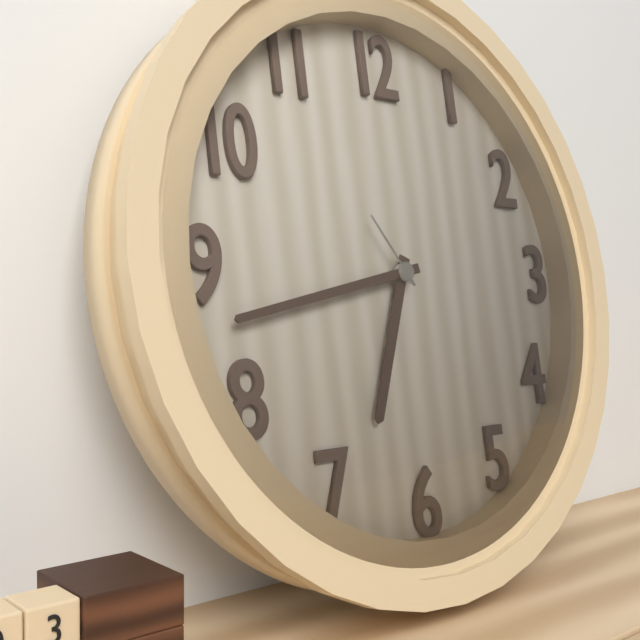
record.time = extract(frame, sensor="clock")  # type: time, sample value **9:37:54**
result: **6:43:54**
